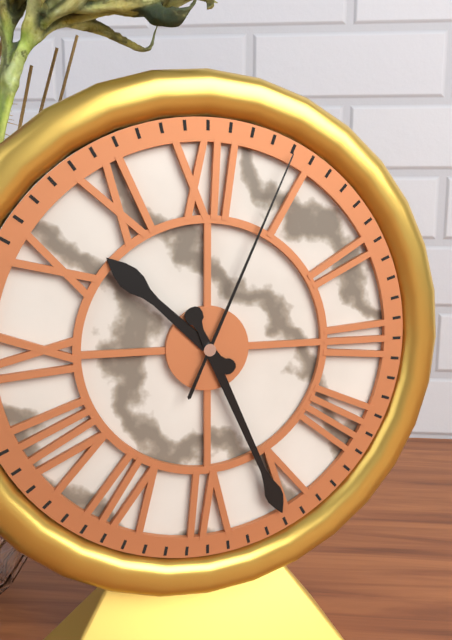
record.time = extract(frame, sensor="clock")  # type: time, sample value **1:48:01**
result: **10:26:04**
